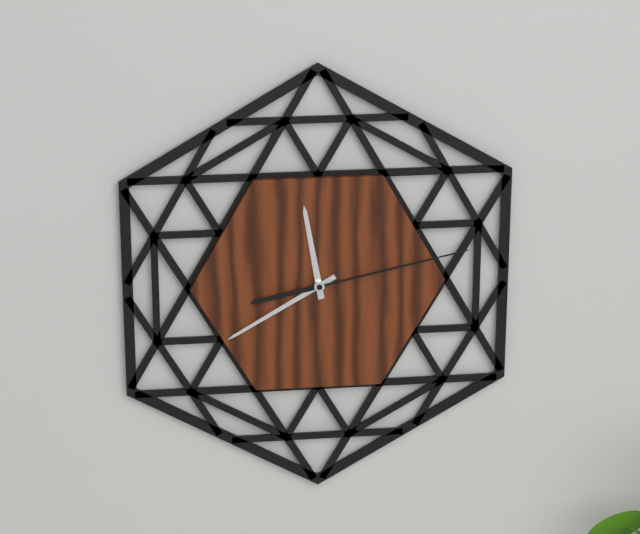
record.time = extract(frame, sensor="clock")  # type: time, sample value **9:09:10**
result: **11:40:13**
